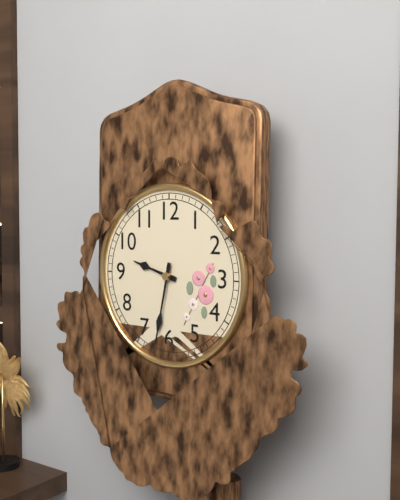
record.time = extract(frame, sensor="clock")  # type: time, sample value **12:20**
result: **9:32**
